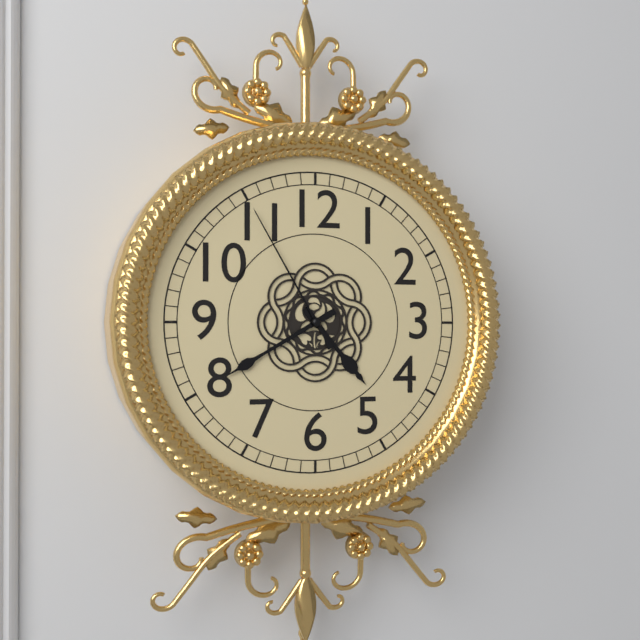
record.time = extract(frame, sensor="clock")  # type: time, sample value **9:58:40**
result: **4:40:55**
